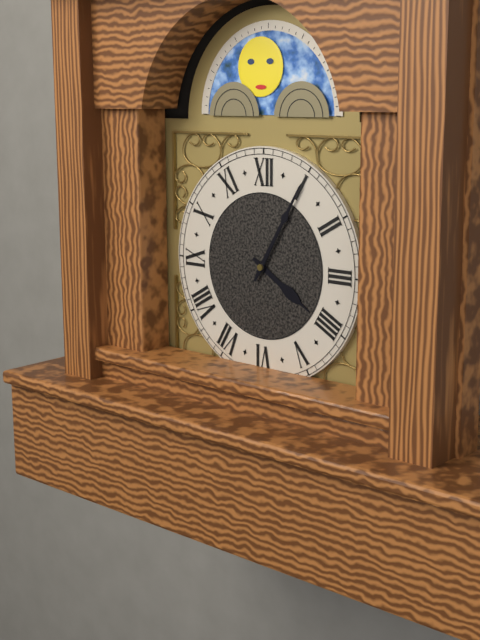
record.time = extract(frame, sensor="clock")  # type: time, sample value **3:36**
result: **4:05**
